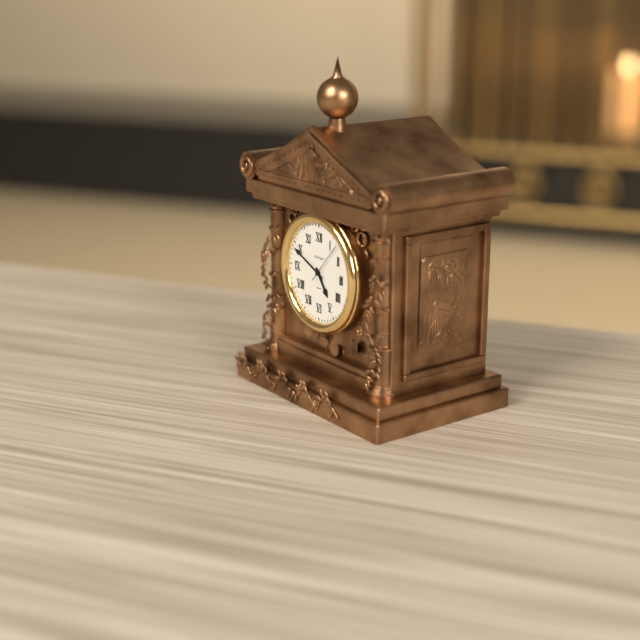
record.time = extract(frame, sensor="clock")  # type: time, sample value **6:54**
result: **4:49**
